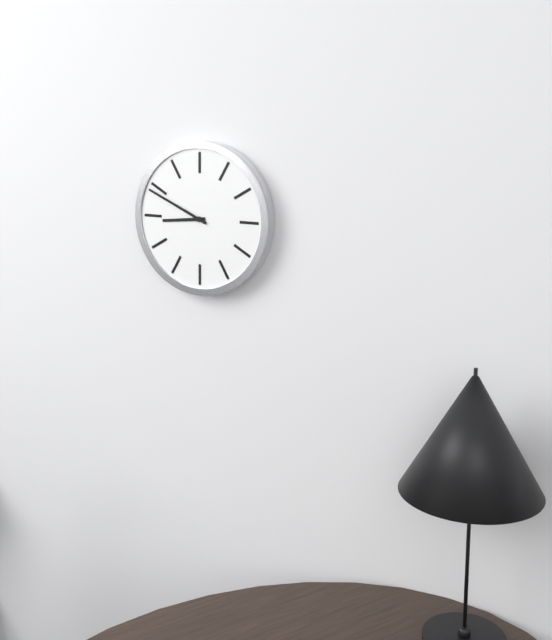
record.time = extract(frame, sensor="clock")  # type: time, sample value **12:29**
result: **8:49**
